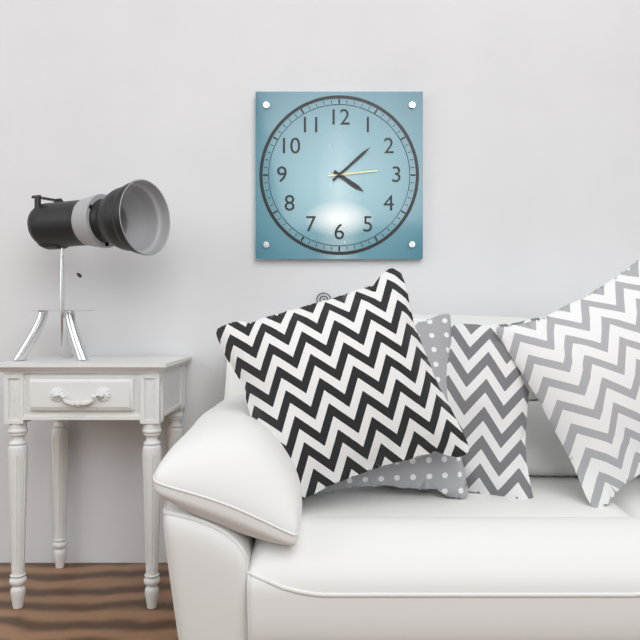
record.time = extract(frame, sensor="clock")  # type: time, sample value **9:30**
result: **4:08**
